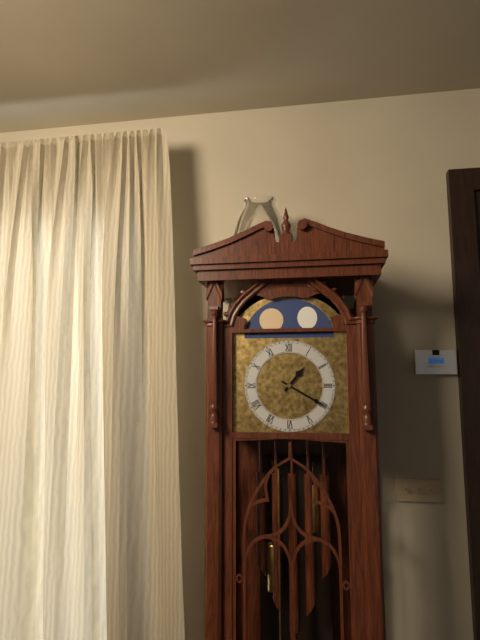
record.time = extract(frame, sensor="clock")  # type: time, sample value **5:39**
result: **1:20**
